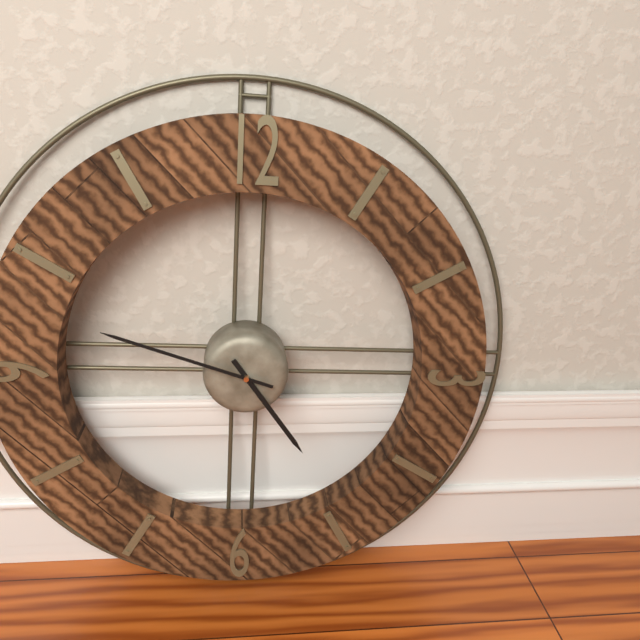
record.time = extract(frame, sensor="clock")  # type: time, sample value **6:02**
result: **4:48**
